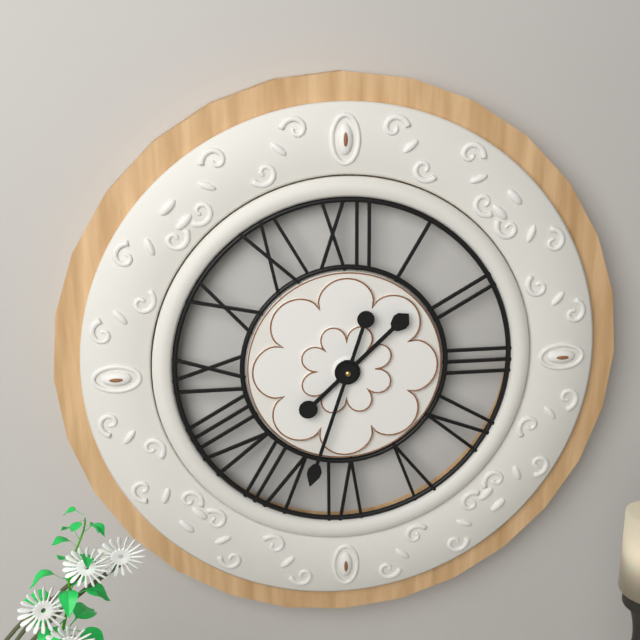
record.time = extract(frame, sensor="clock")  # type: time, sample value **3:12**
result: **1:33**
